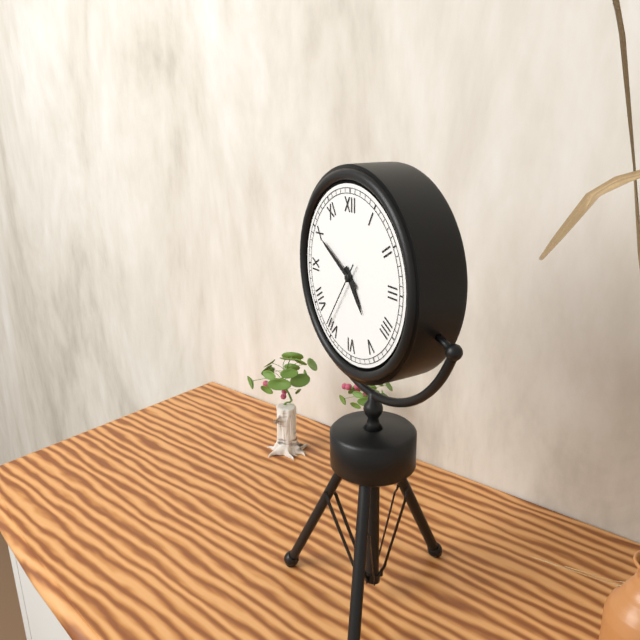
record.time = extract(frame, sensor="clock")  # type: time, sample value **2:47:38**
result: **4:50:36**
